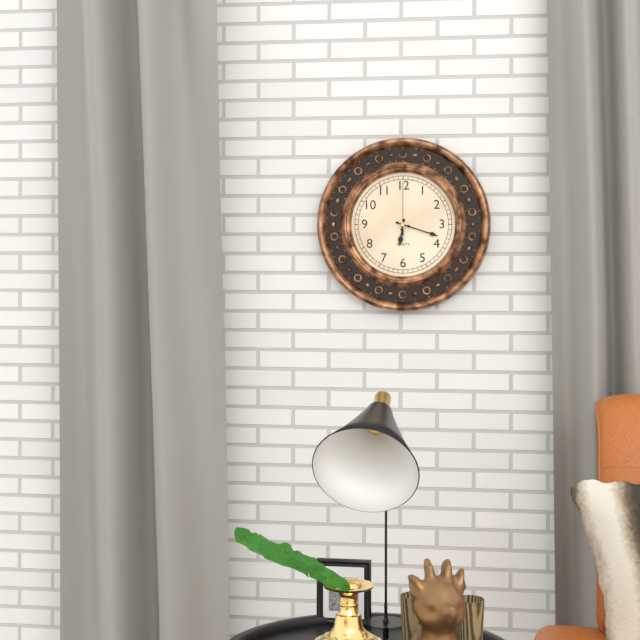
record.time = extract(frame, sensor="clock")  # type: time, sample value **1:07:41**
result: **6:18:00**
